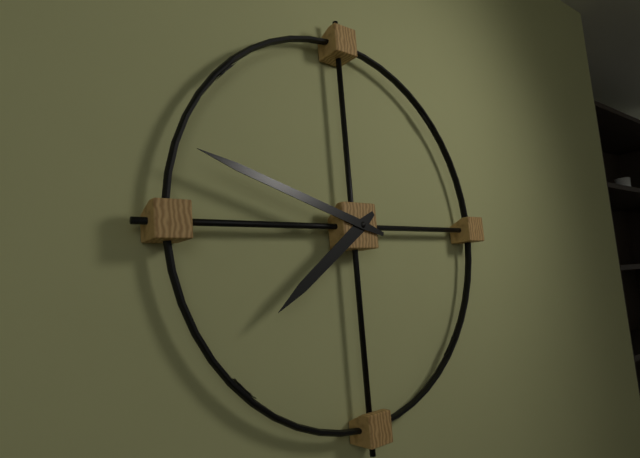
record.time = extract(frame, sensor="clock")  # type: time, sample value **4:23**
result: **7:48**
